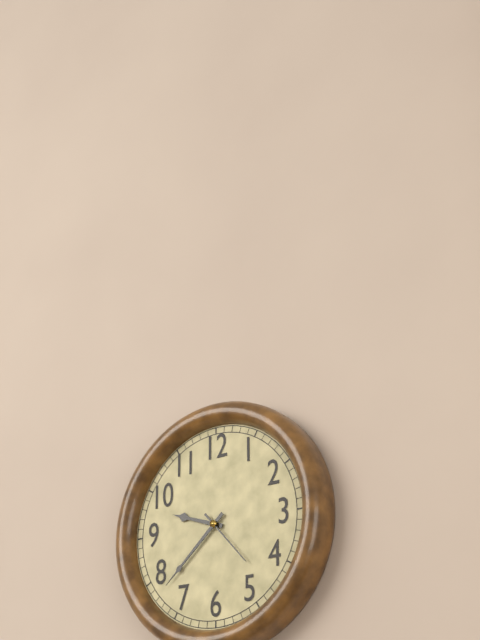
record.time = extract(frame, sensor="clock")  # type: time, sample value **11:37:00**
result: **9:38:23**
